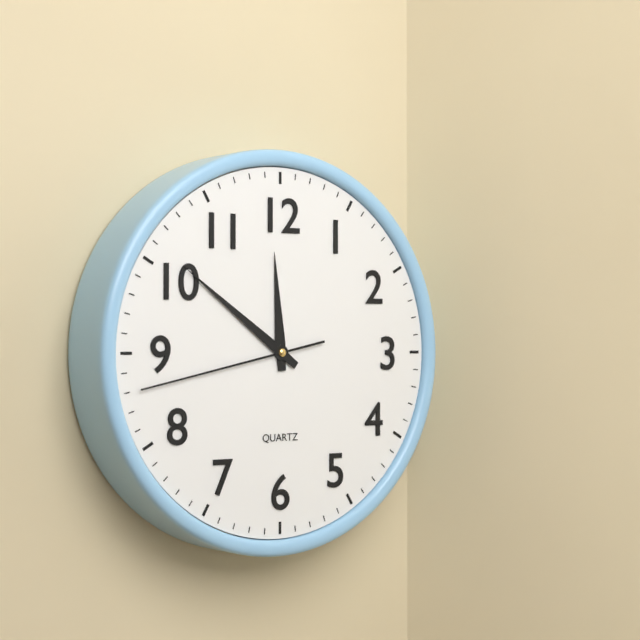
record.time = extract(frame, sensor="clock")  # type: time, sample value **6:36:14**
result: **11:51:43**
